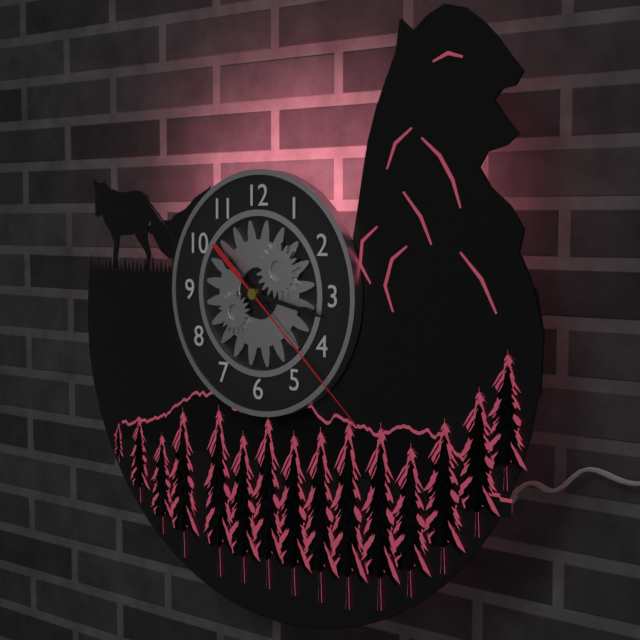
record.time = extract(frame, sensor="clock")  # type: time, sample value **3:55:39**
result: **10:17:22**
